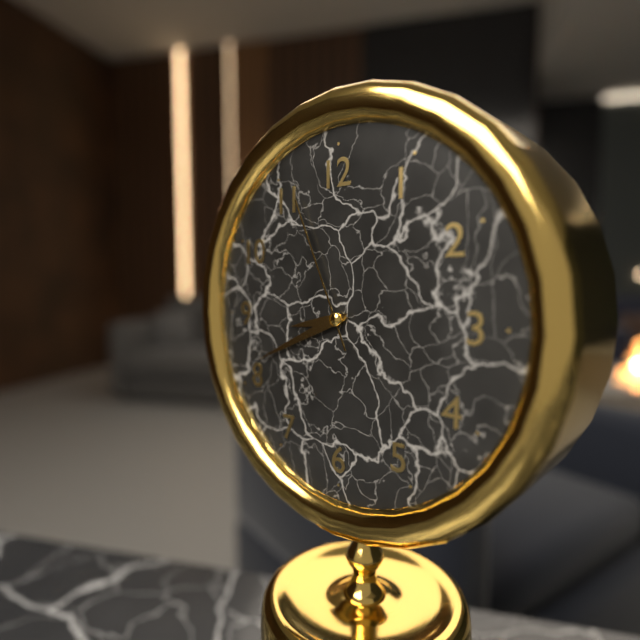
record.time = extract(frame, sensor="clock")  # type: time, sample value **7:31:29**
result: **8:41:56**
